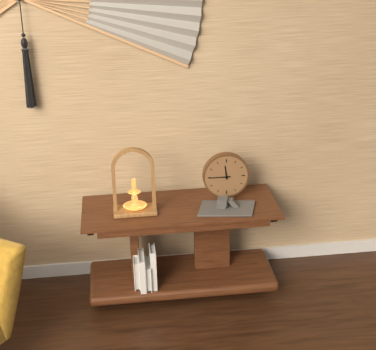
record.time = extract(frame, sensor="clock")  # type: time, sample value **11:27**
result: **11:45**
